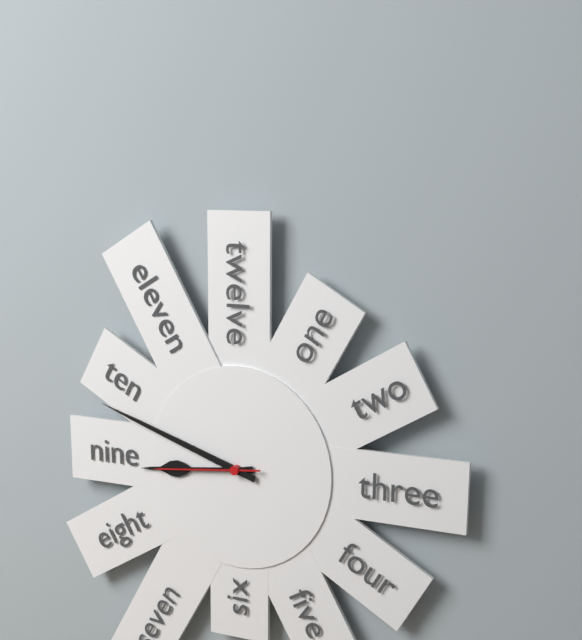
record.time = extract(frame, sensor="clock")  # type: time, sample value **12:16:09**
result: **8:48:44**
